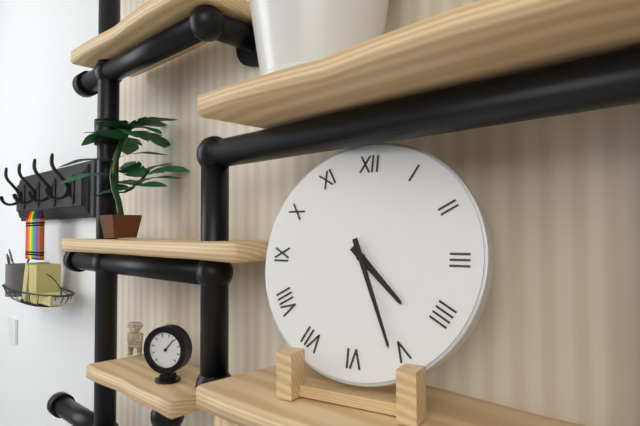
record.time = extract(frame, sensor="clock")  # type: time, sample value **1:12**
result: **4:26**
